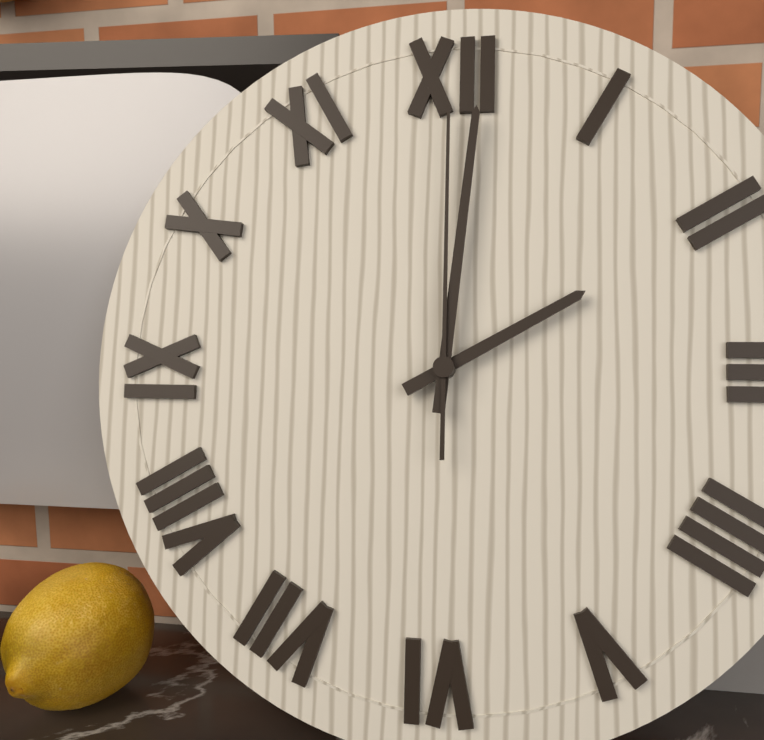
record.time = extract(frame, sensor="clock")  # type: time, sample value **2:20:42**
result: **2:01:00**
